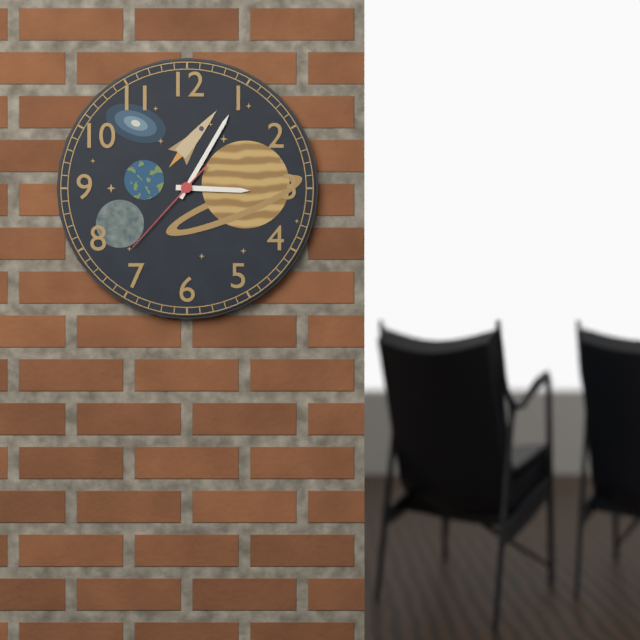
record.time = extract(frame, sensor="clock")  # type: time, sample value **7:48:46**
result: **3:05:37**
